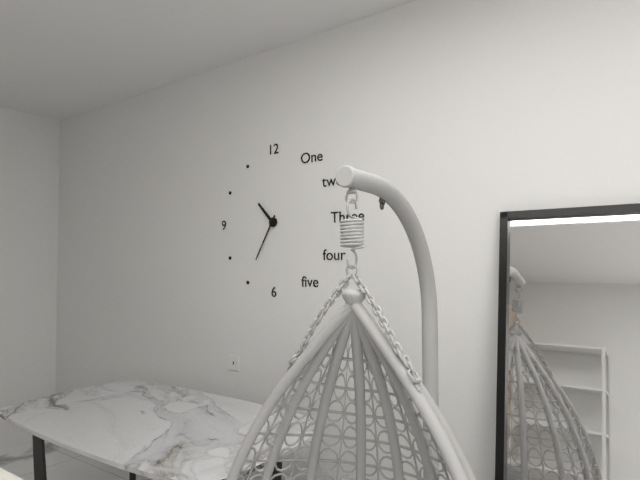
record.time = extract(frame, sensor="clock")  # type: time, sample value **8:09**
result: **10:35**
